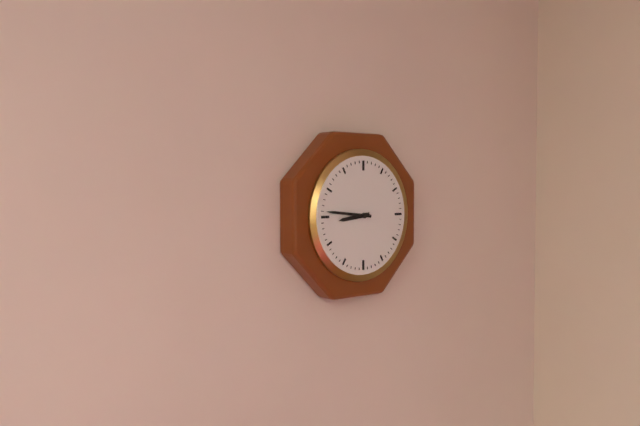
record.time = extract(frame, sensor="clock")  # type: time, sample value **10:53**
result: **8:46**
